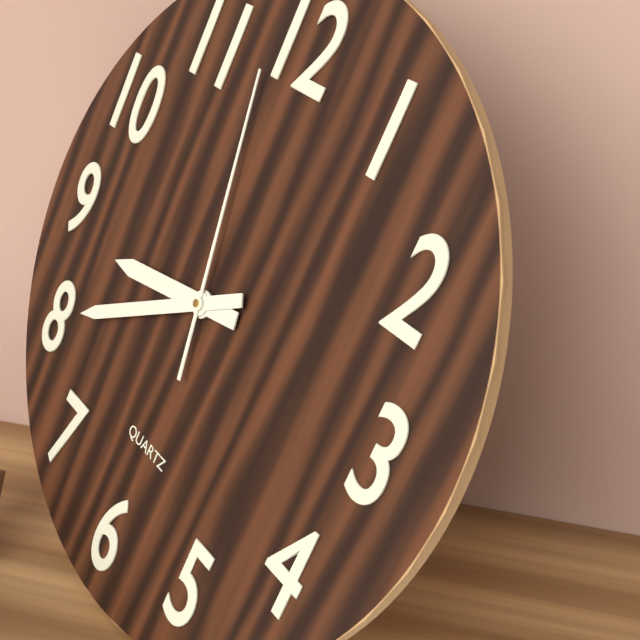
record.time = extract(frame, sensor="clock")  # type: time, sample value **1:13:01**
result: **8:40:58**
